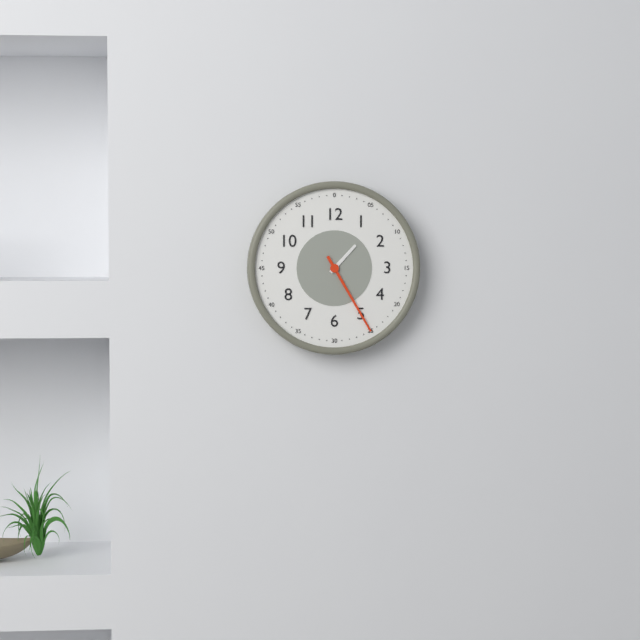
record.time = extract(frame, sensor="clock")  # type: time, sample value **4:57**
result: **1:25**
